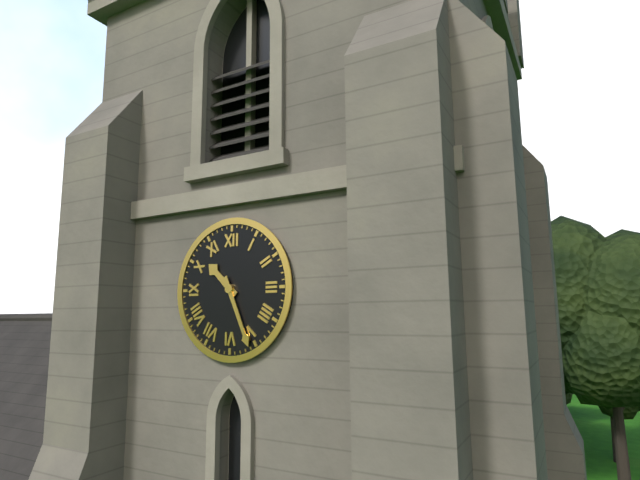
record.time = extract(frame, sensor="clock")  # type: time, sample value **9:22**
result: **10:26**
